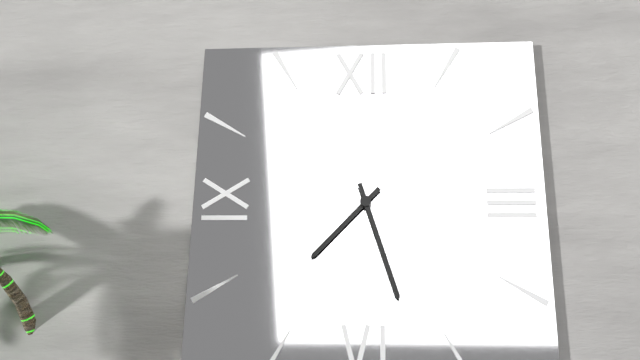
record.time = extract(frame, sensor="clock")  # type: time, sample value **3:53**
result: **7:27**
